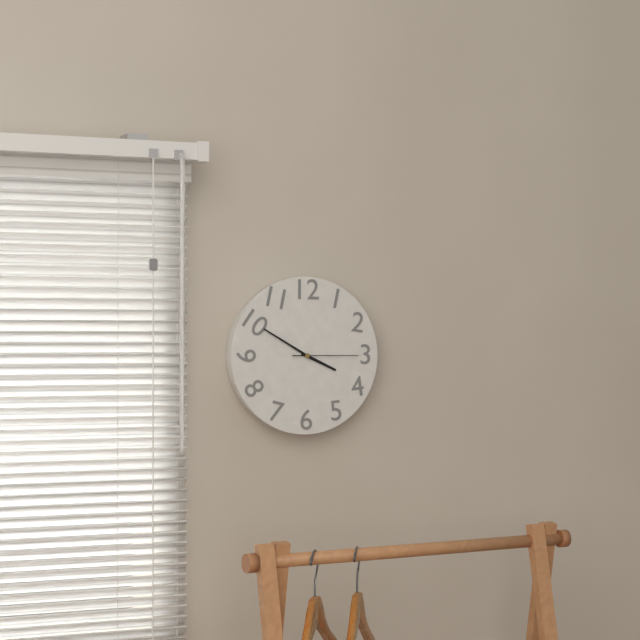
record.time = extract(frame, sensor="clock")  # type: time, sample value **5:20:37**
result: **3:50:15**
